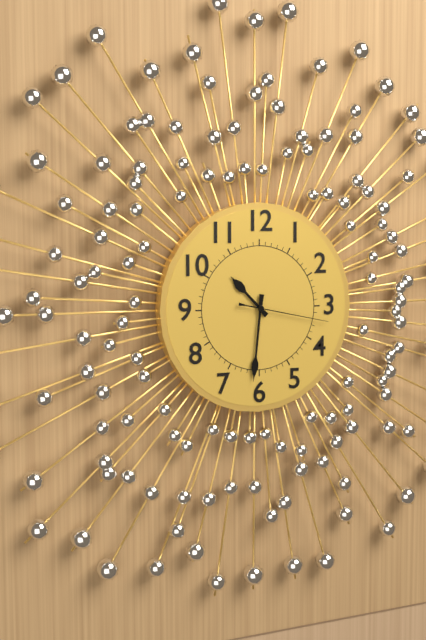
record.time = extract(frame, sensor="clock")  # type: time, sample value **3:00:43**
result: **10:31:17**
